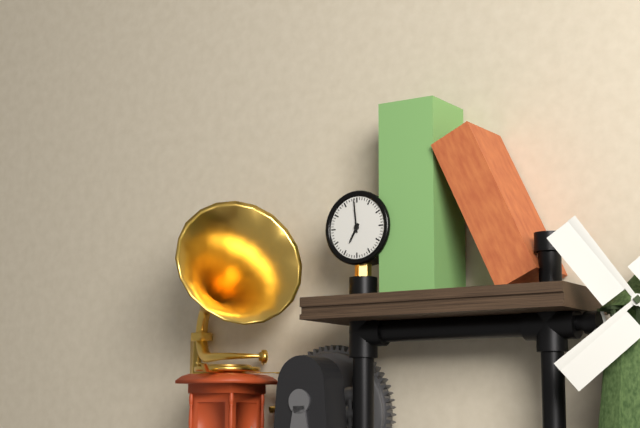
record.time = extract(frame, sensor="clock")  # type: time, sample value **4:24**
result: **6:59**
